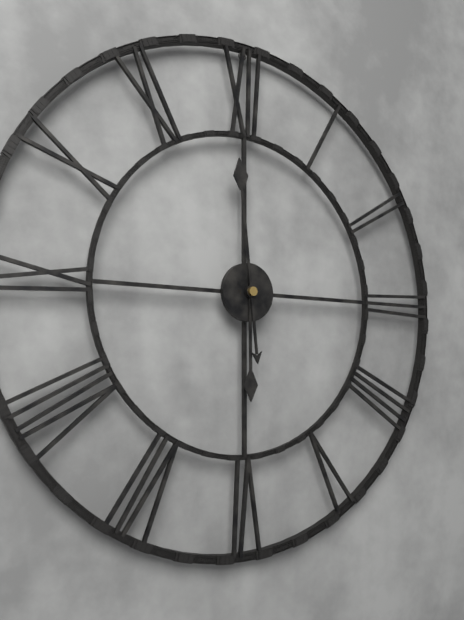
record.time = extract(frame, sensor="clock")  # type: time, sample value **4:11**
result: **5:59**
